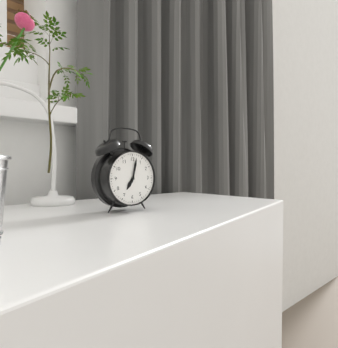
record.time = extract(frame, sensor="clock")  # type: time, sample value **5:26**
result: **7:02**
